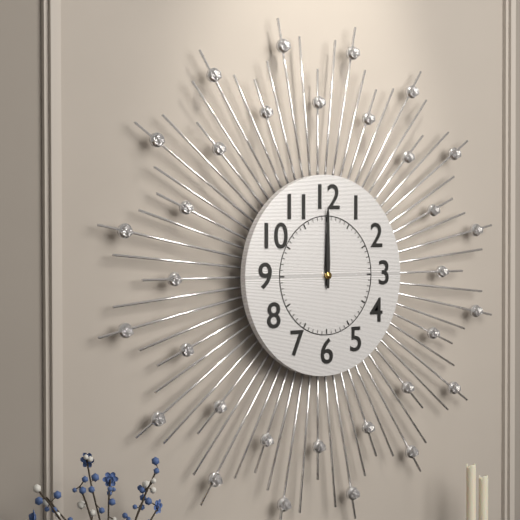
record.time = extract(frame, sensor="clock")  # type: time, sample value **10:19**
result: **12:00**
